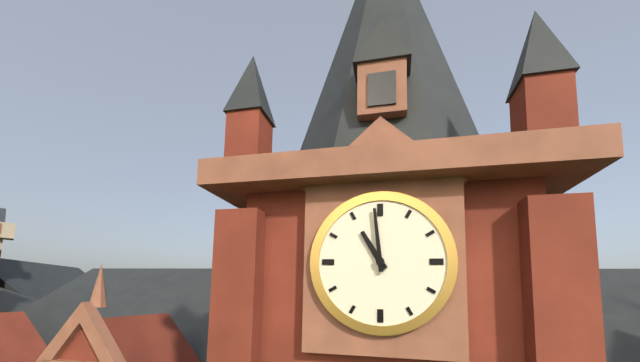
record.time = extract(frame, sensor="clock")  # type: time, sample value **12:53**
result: **10:59**
